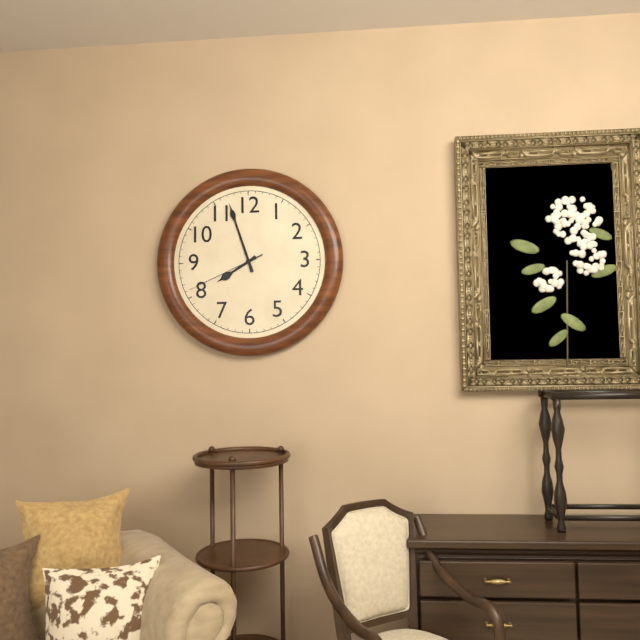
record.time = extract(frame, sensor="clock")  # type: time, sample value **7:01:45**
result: **7:57:41**
